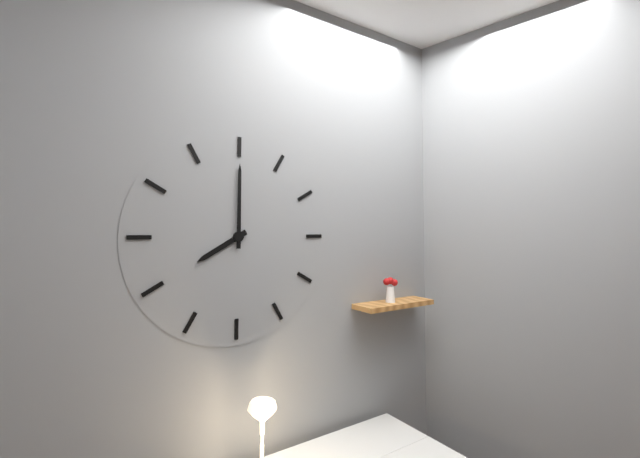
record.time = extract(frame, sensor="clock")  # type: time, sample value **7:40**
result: **8:00**
